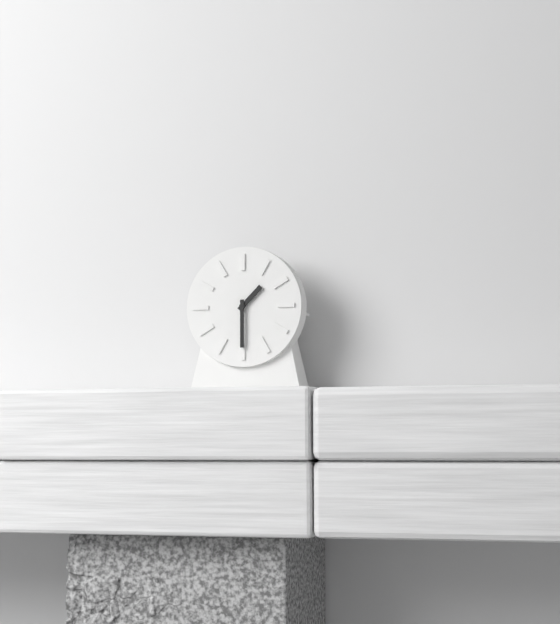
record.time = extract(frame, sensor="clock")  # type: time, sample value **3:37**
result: **1:30**
